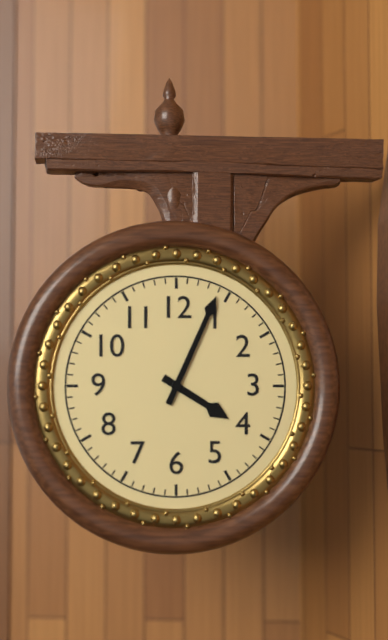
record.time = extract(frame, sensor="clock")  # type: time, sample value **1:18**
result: **4:04**
